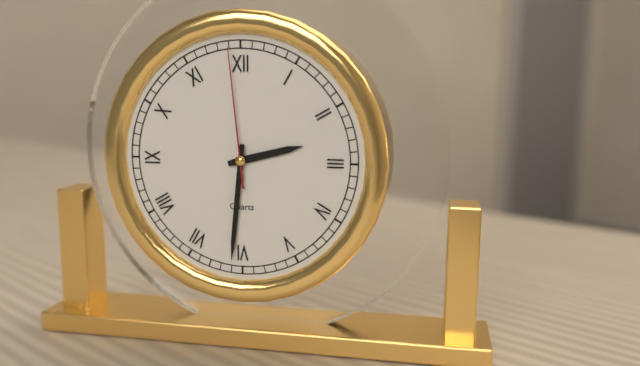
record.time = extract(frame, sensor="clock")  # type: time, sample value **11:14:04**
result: **2:31:59**
